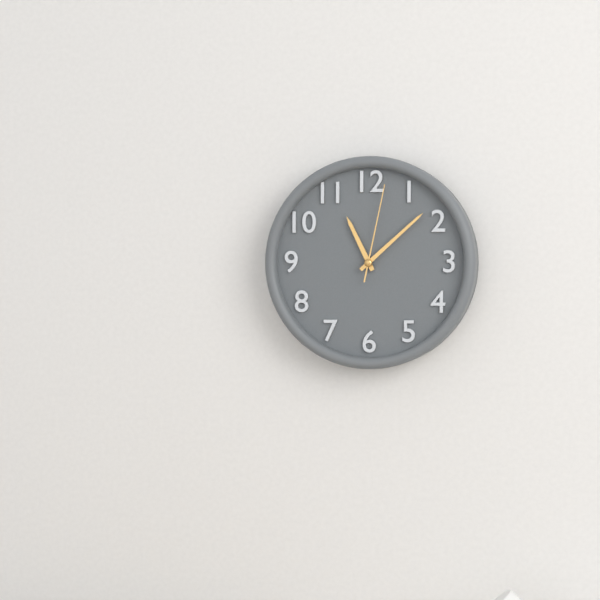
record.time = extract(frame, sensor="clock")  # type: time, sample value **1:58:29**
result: **11:08:02**
